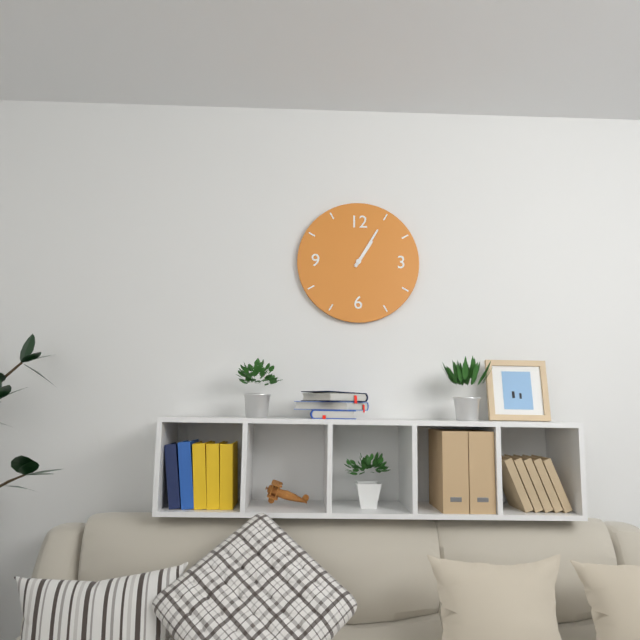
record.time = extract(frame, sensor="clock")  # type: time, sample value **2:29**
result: **1:05**
